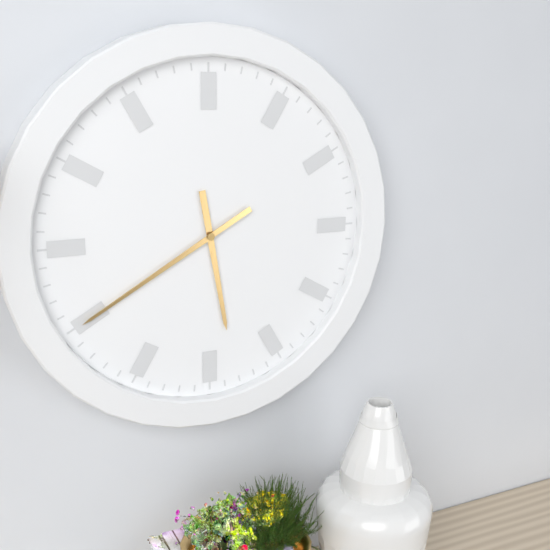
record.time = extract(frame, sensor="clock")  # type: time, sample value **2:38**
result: **5:40**
